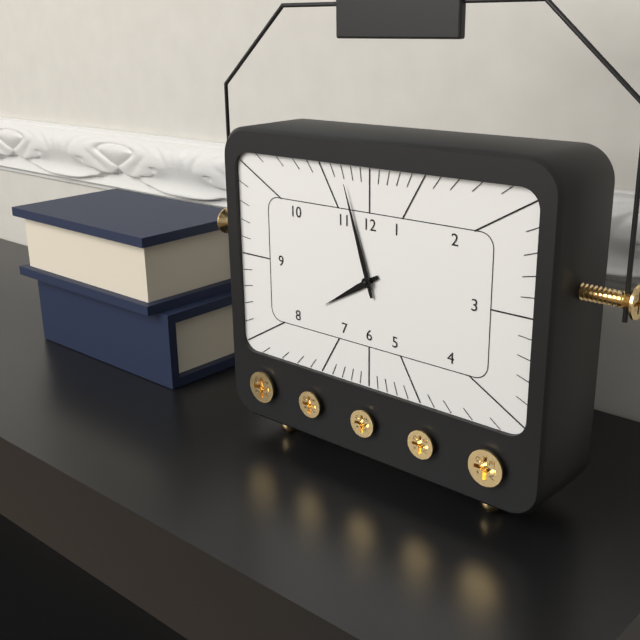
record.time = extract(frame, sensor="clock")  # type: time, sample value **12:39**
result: **7:57**
